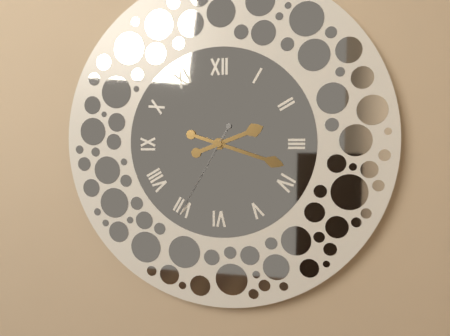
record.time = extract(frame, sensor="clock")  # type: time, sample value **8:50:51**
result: **2:18:35**
